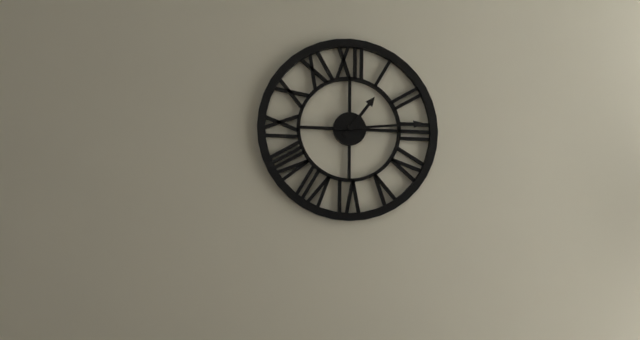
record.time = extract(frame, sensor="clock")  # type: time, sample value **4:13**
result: **1:14**
